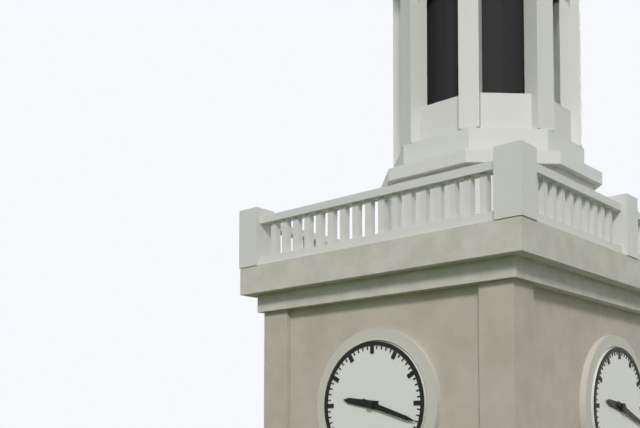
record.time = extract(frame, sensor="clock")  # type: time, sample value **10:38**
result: **9:18**
